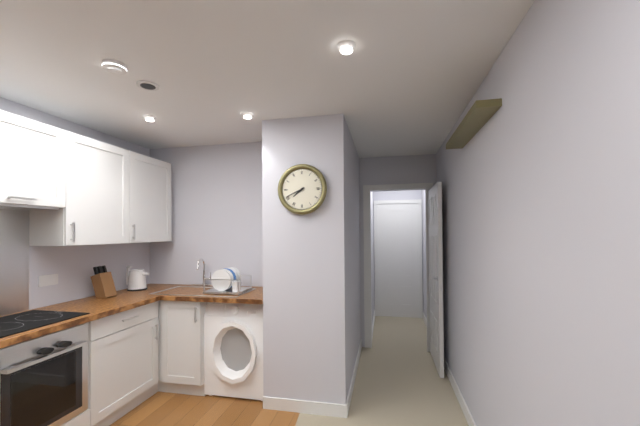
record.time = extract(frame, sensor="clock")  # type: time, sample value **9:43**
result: **7:41**
